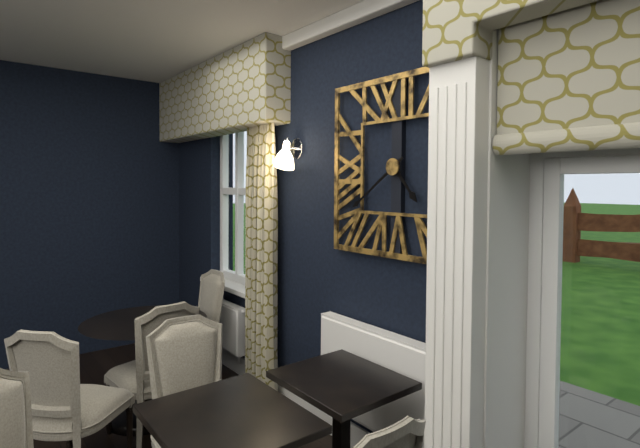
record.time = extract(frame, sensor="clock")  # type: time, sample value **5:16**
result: **4:39**
